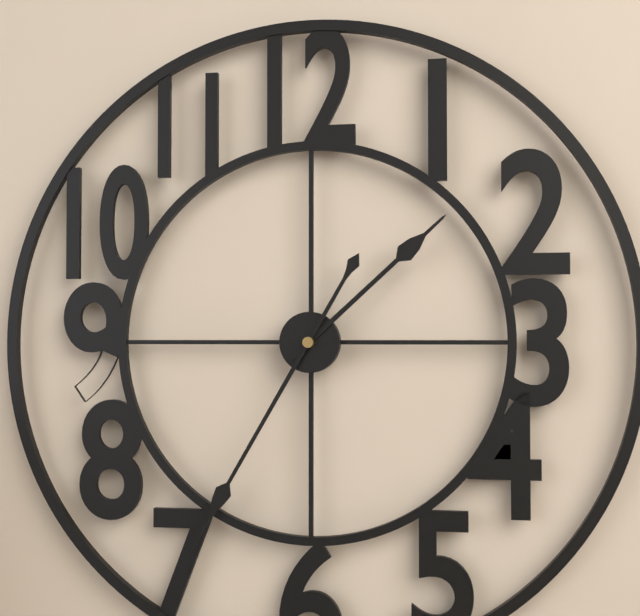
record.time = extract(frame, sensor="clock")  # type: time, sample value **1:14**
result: **1:35**
